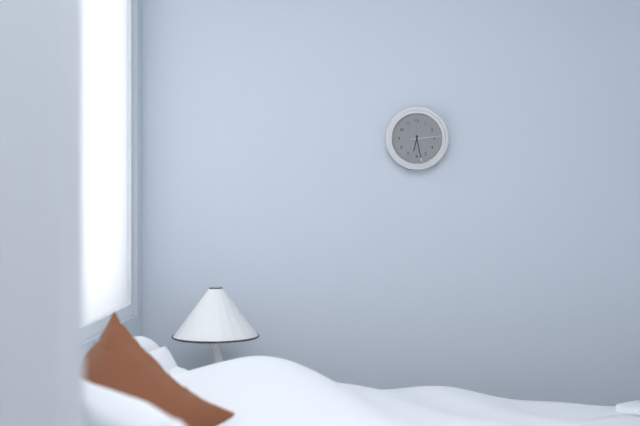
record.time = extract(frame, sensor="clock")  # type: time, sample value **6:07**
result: **6:28**
